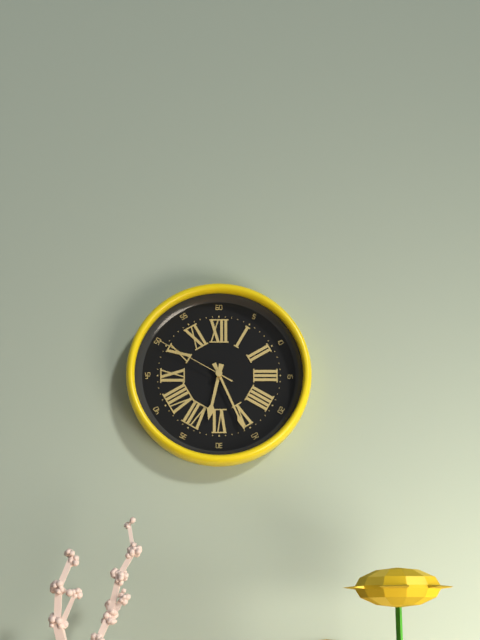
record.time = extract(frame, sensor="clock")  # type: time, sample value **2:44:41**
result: **6:26:50**
